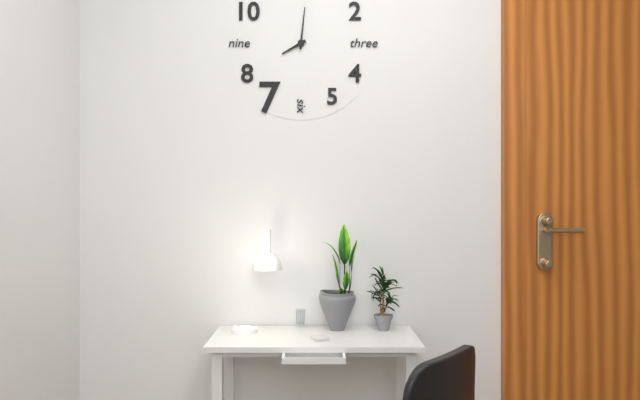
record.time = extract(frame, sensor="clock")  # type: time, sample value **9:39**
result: **8:01**
